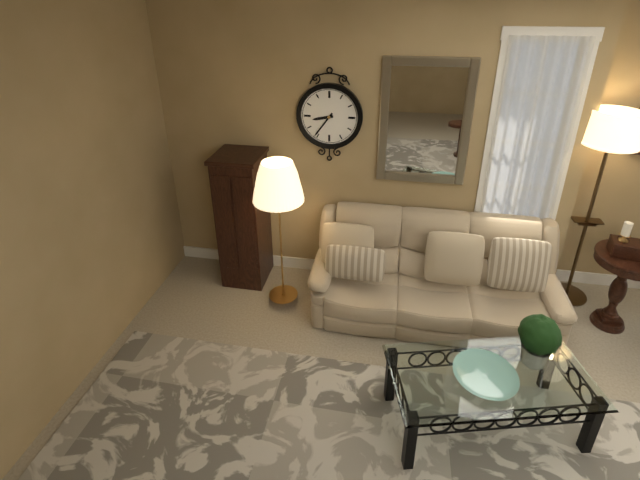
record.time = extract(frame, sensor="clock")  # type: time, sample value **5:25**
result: **8:36**
